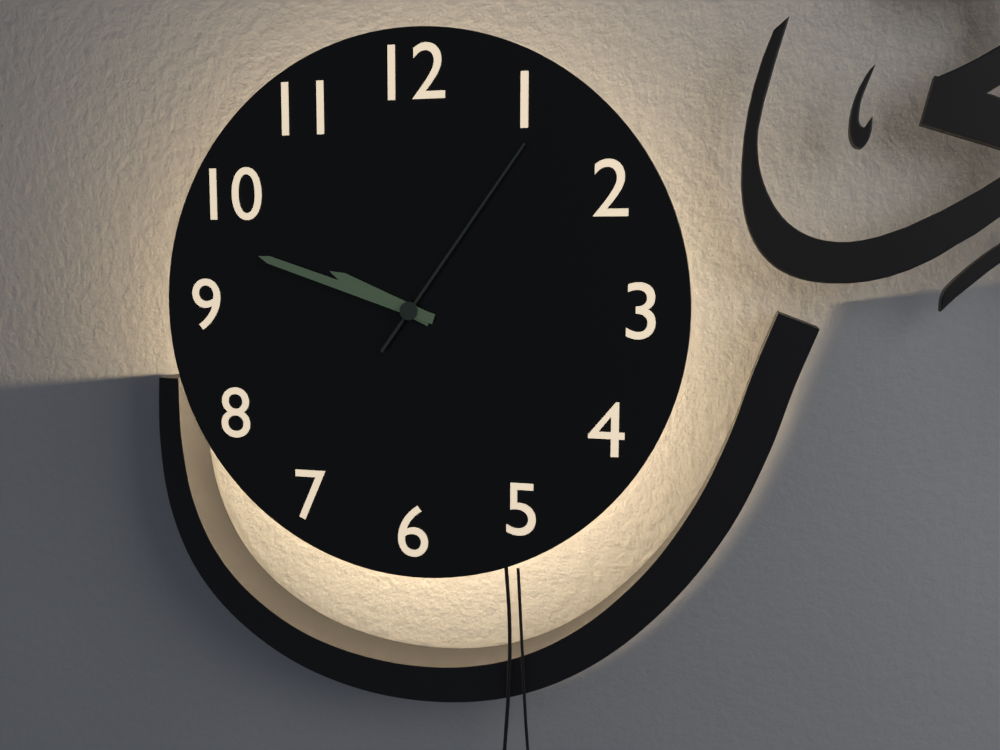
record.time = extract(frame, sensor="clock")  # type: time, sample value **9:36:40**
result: **9:48:06**
